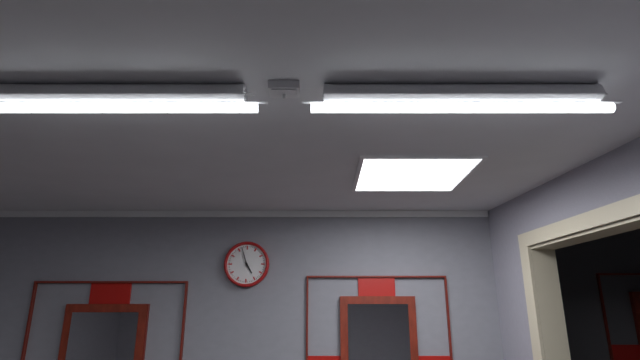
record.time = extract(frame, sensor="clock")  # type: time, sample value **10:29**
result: **4:57**
